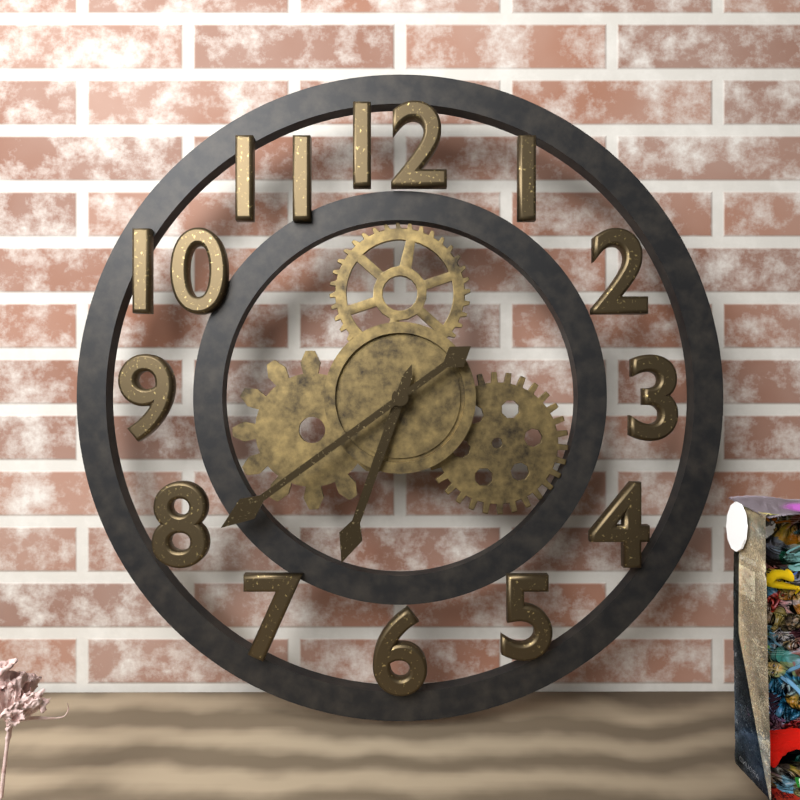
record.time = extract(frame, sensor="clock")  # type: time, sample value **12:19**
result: **6:39**
